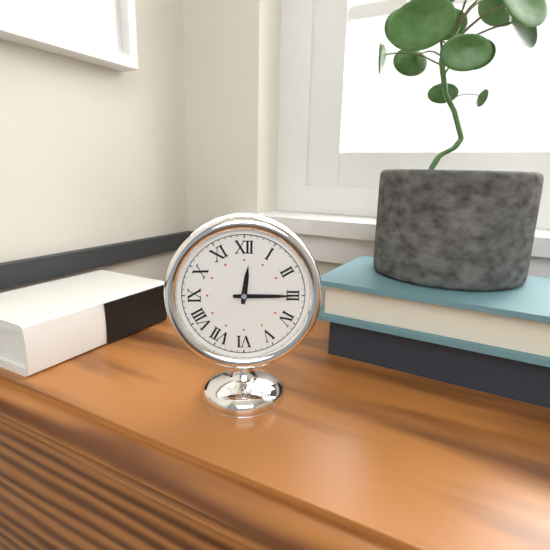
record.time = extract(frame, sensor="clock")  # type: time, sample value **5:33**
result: **12:15**
